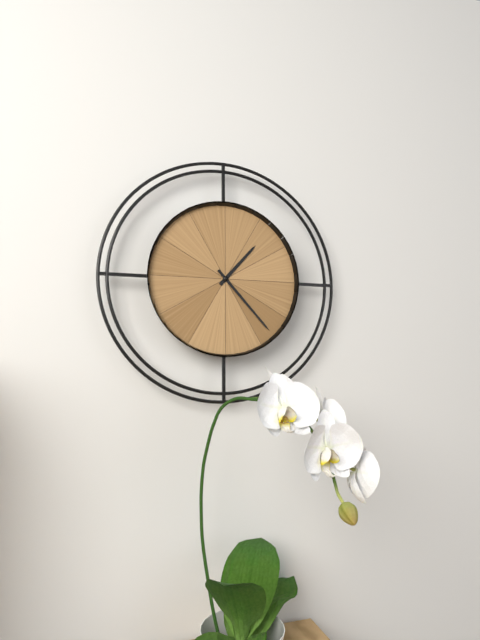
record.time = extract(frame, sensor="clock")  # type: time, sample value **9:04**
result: **1:23**
